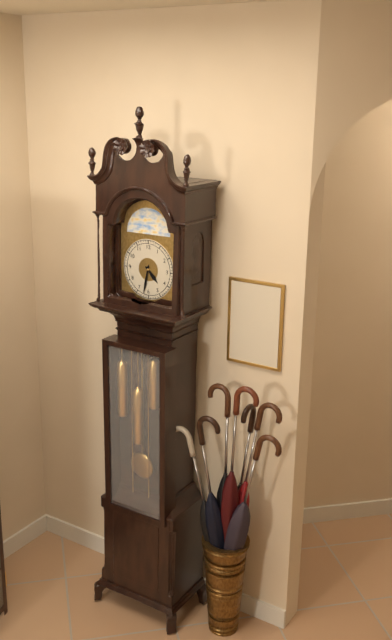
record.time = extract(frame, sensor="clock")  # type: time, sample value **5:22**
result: **4:32**
